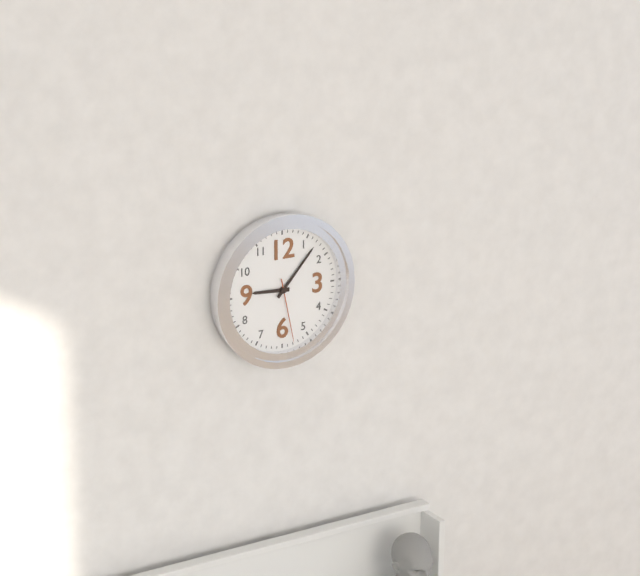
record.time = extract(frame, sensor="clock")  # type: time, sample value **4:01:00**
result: **9:07:28**
